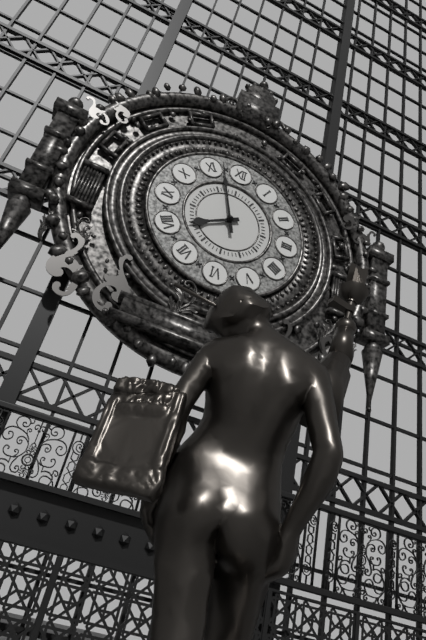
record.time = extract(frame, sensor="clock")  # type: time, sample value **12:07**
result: **7:57**
